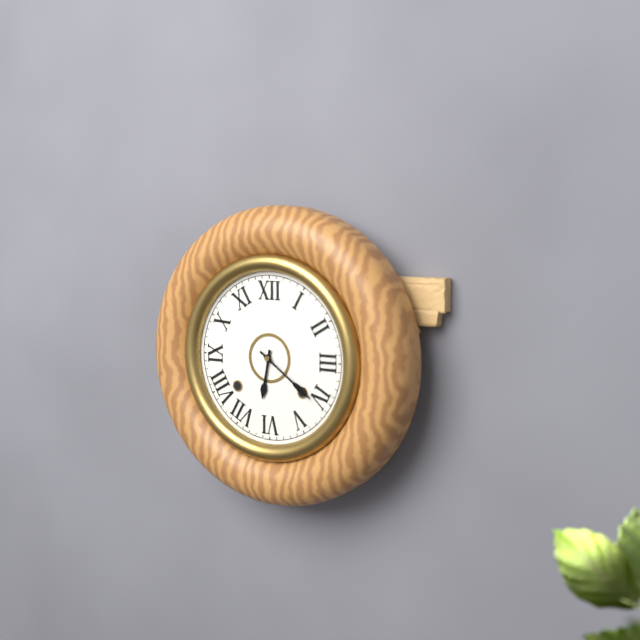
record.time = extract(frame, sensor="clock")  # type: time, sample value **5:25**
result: **6:21**
